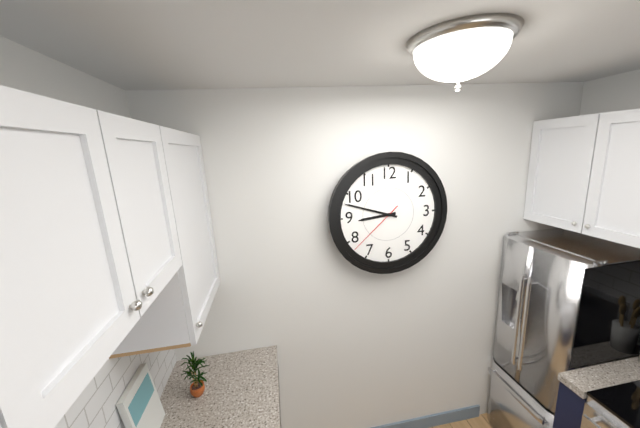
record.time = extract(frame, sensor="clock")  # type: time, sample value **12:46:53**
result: **8:48:38**
